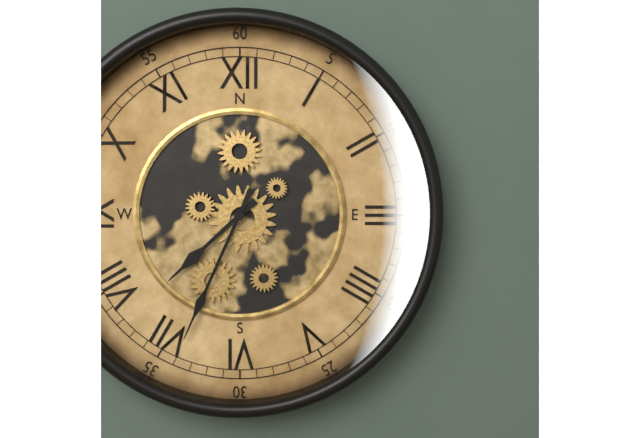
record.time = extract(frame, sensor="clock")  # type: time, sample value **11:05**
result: **7:34**
